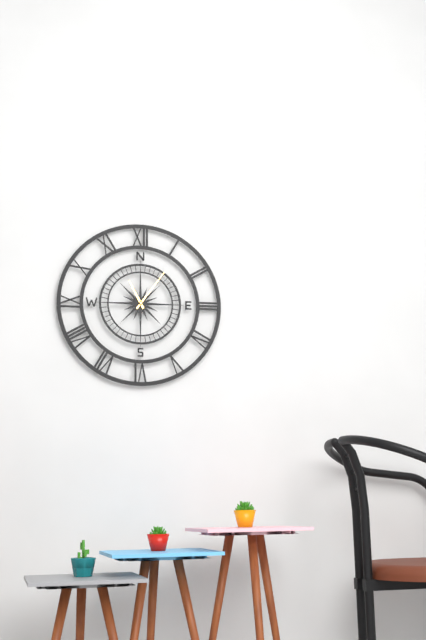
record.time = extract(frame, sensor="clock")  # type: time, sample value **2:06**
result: **11:06**
